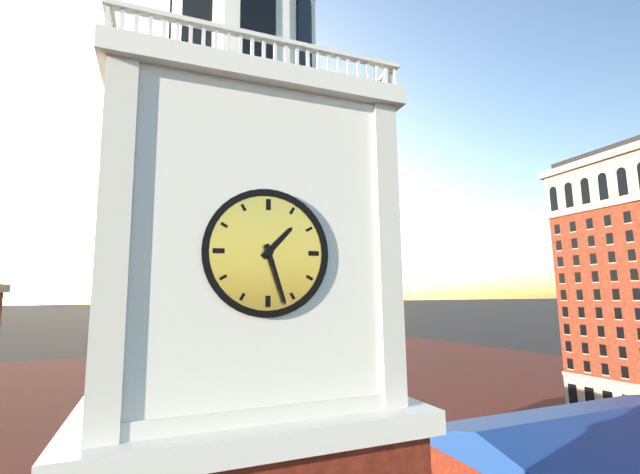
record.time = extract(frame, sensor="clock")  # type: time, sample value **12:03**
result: **1:27**
